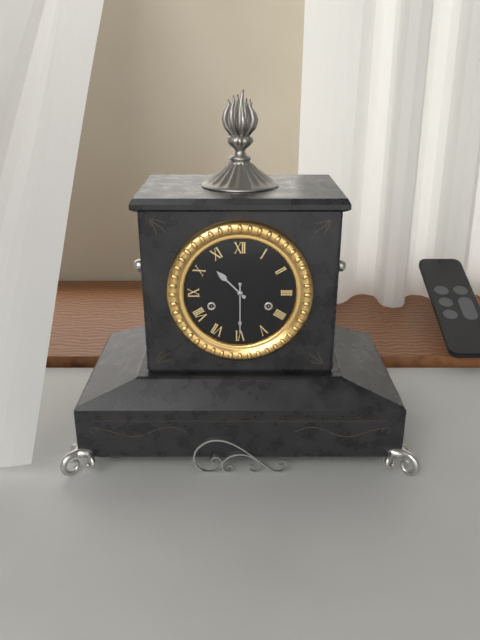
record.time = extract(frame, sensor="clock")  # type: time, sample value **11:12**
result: **10:30**
